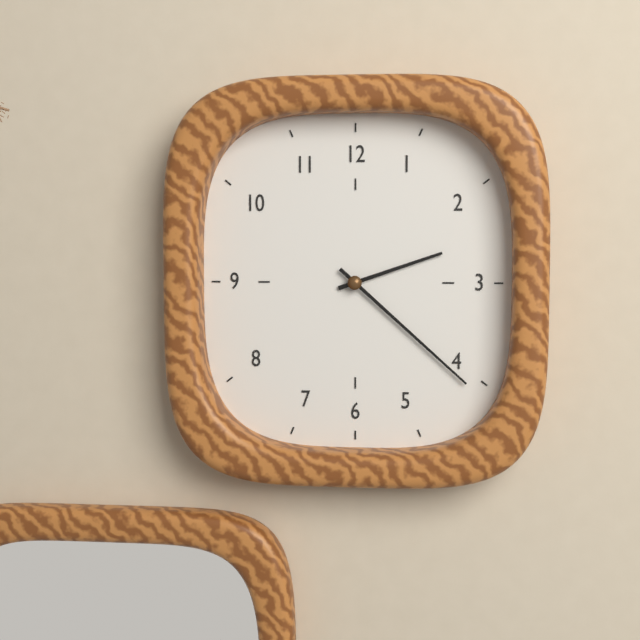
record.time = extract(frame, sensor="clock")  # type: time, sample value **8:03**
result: **2:22**
